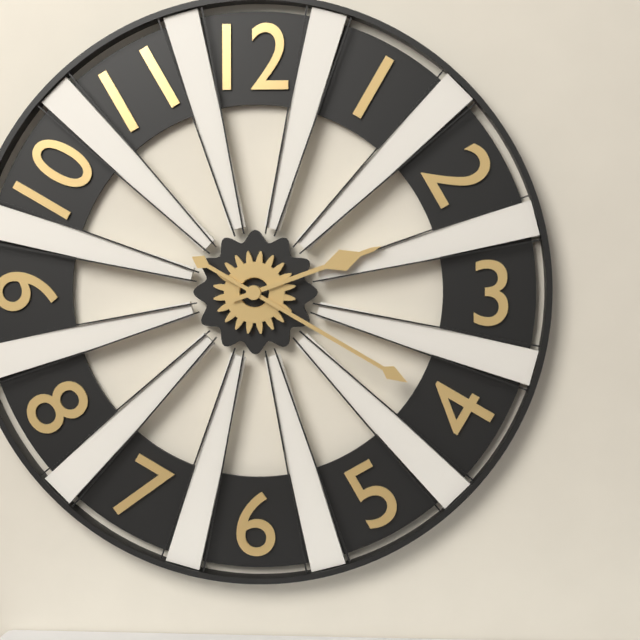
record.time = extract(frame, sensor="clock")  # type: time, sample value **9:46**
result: **2:20**
